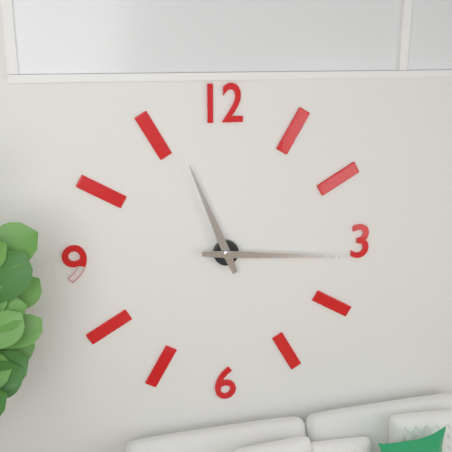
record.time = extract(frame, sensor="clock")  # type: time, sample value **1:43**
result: **11:16**
